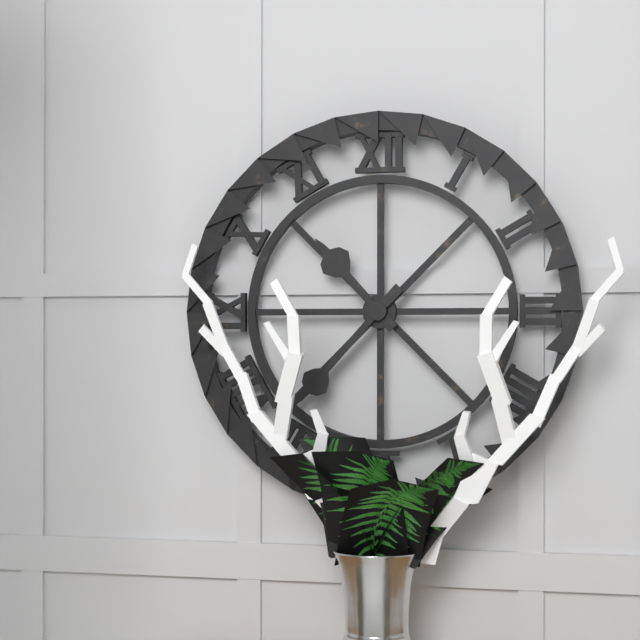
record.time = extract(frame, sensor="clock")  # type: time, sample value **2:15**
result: **10:37**
